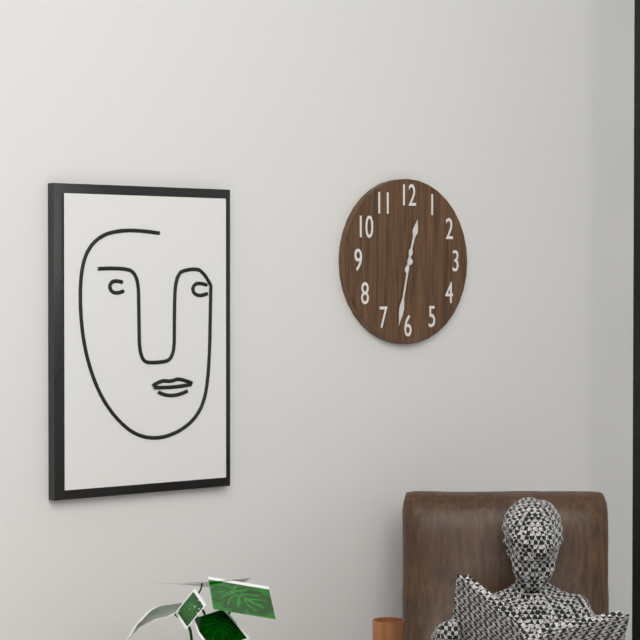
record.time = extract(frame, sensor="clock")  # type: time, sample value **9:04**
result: **12:32**
